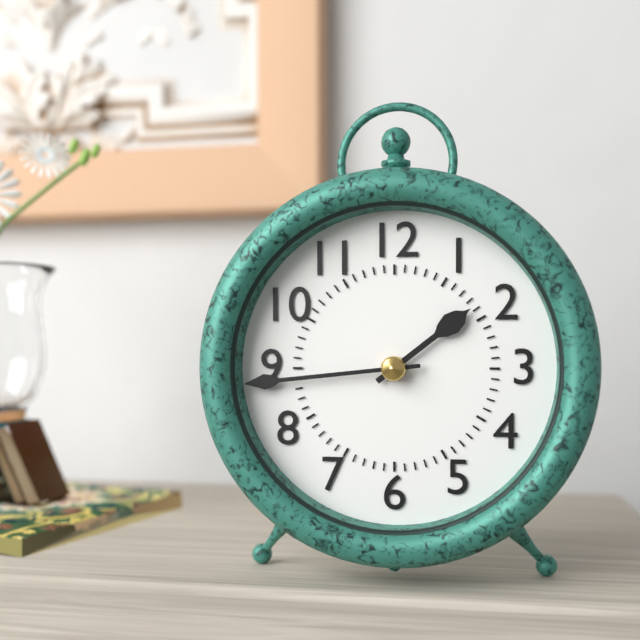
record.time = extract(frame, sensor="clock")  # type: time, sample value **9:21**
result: **1:44**
